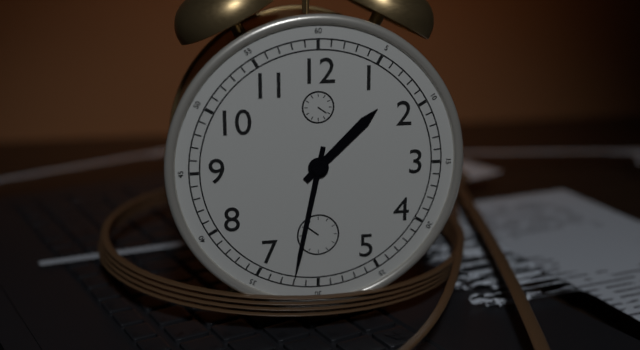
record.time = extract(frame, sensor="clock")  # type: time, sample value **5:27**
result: **1:32**
